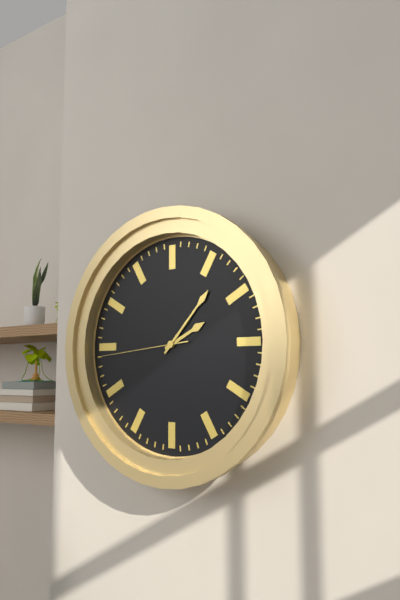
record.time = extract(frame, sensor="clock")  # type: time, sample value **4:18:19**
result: **2:07:44**
